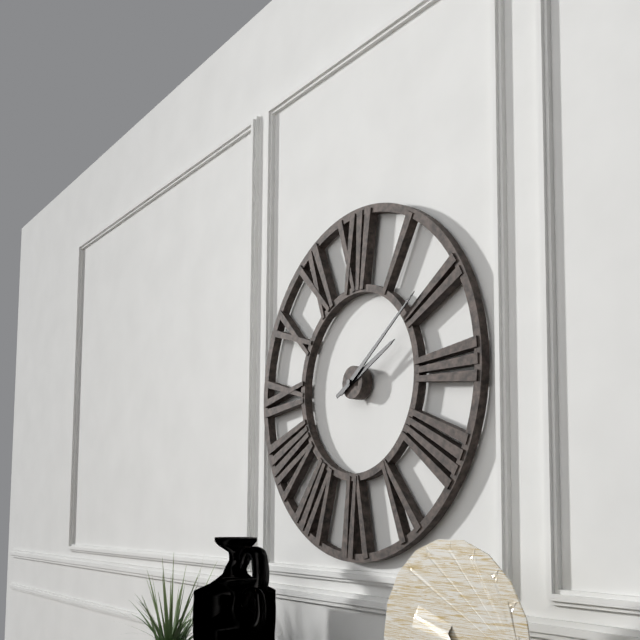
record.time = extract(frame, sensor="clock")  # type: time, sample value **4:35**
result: **2:09**
